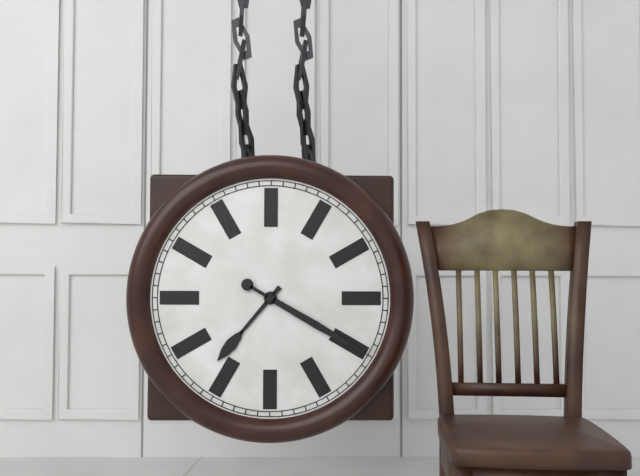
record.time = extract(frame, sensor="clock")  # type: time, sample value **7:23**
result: **7:20**
